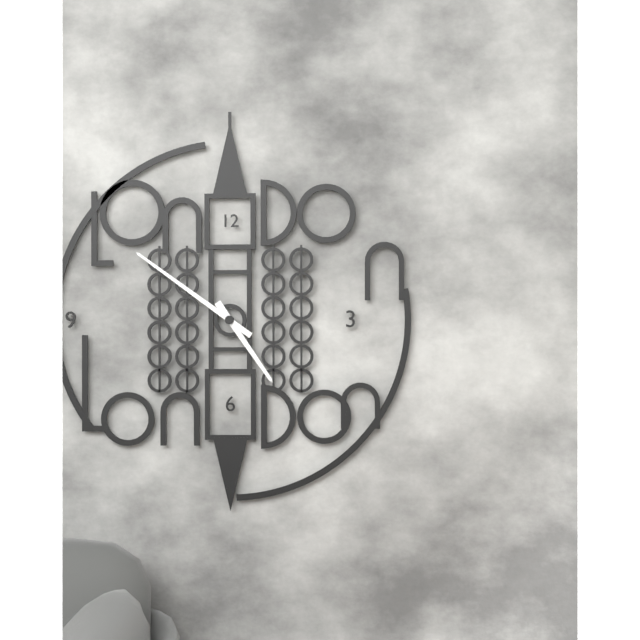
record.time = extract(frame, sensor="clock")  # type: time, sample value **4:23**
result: **4:51**
